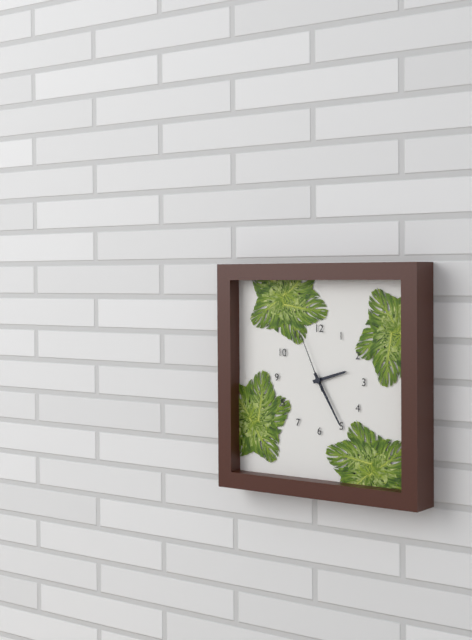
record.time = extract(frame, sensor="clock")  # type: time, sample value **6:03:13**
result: **2:25:56**
